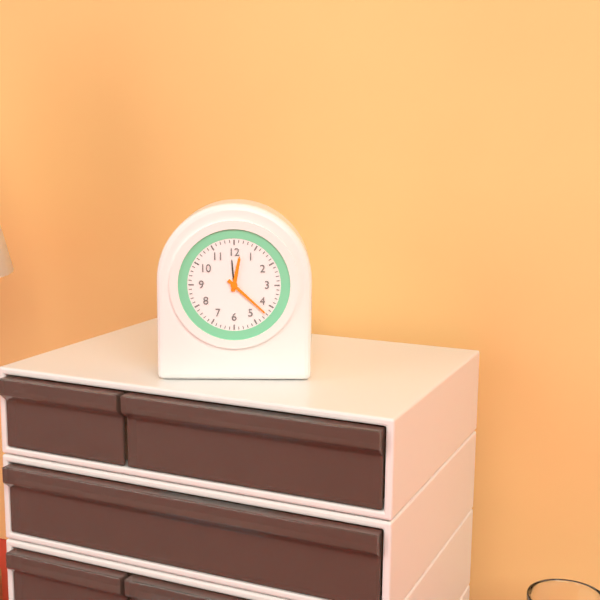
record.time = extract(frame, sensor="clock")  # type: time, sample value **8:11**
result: **12:22**
